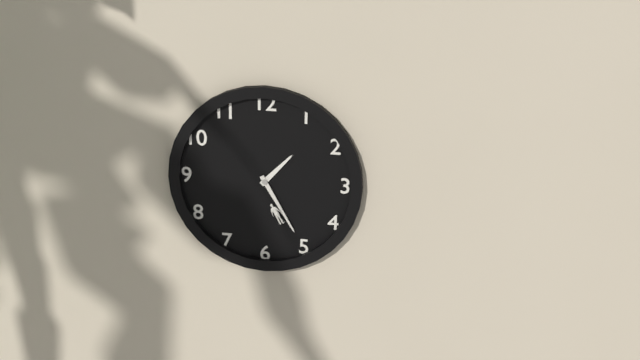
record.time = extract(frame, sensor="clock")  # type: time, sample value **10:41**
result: **1:25**
